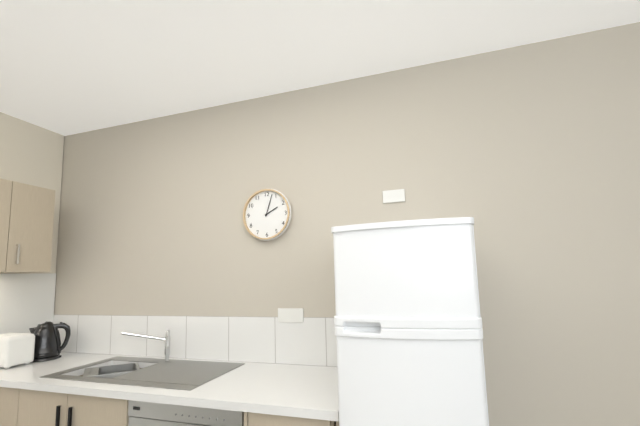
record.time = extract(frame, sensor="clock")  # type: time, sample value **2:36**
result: **2:03**
